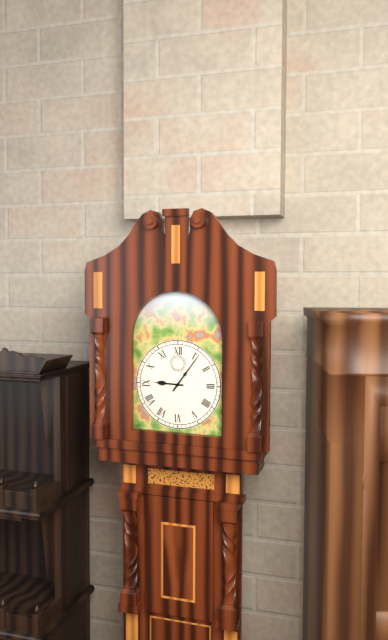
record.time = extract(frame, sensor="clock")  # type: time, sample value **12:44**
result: **9:06**
